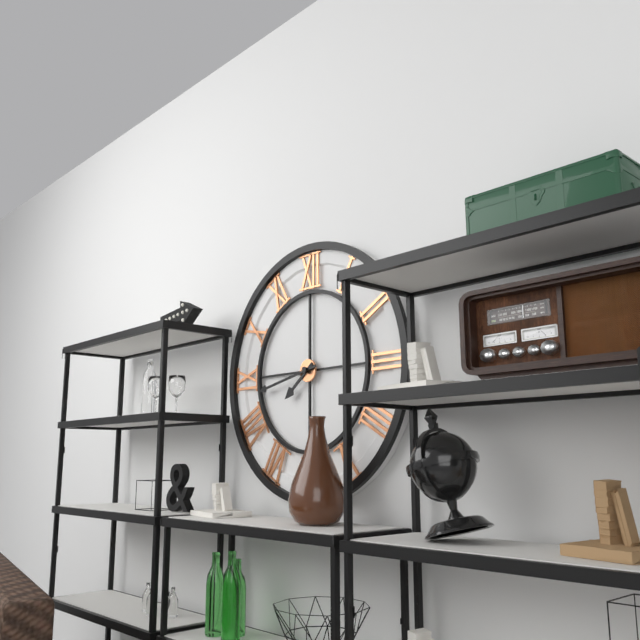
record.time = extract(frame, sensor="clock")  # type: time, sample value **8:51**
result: **7:43**
